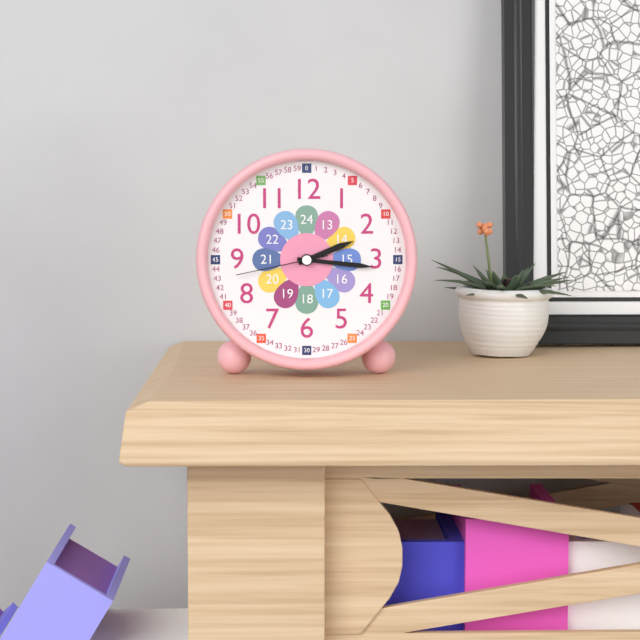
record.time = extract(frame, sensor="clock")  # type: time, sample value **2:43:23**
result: **2:16:43**
